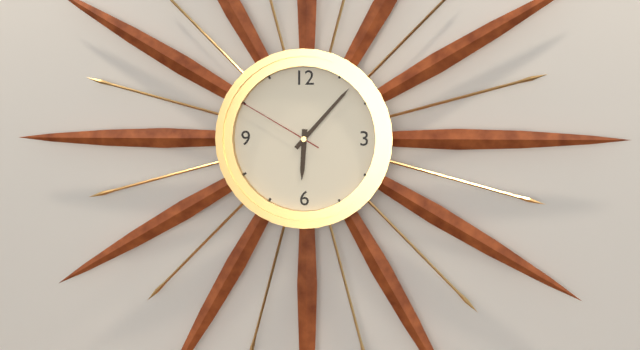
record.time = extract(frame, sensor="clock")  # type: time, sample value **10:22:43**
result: **6:07:50**
